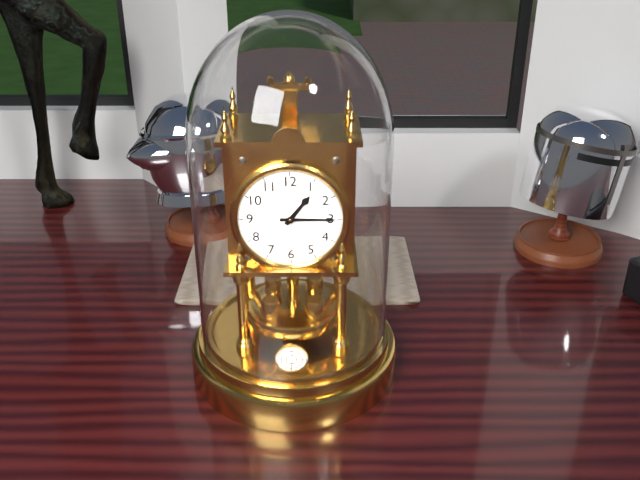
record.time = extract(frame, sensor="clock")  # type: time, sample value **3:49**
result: **1:15**
